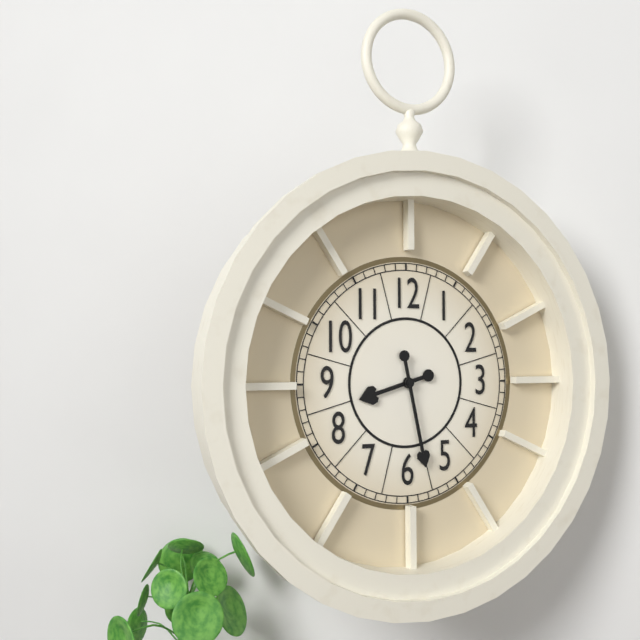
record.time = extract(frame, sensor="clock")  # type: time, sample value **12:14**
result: **8:28**
